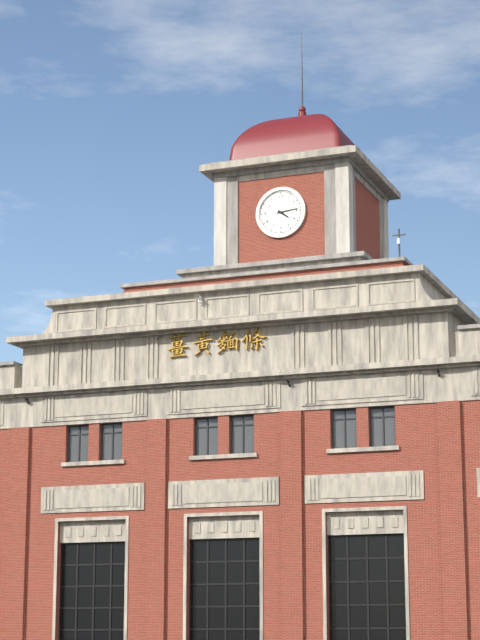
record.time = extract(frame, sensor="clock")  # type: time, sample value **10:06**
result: **4:14**
